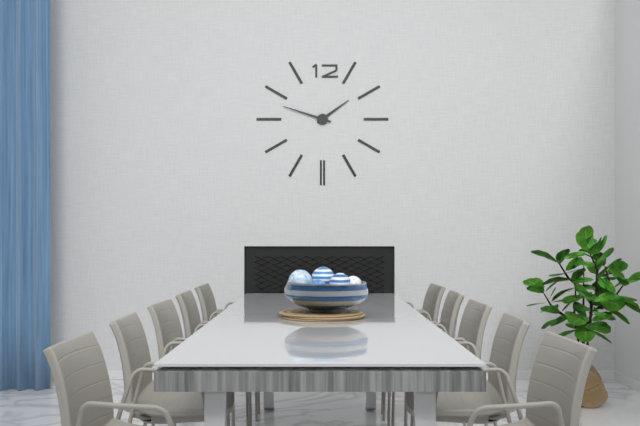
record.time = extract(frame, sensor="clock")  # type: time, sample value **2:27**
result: **1:48**
